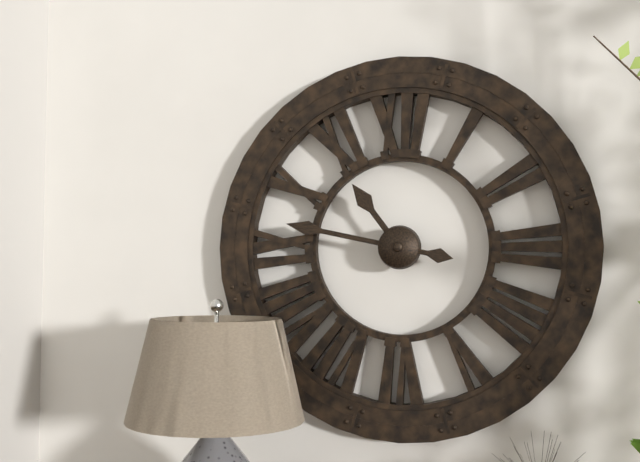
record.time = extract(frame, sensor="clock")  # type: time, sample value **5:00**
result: **10:47**
